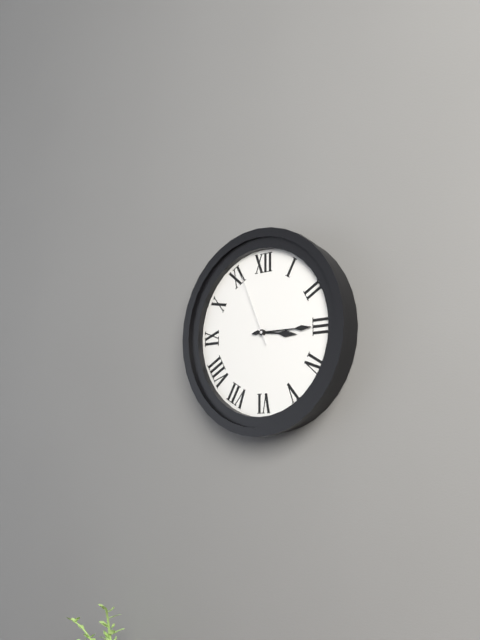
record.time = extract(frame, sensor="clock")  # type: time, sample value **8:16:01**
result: **3:15:56**
